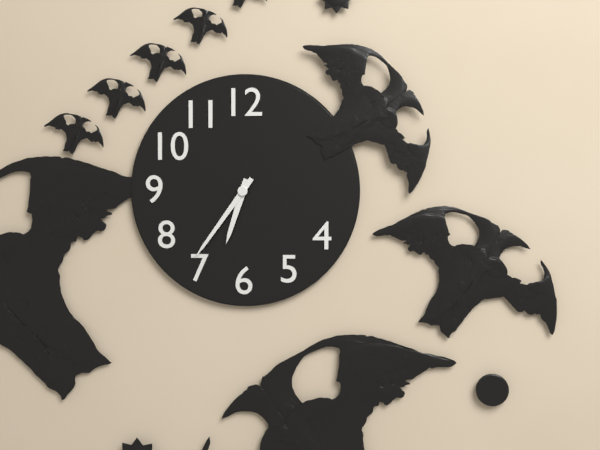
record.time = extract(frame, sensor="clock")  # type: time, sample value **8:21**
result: **6:36**
